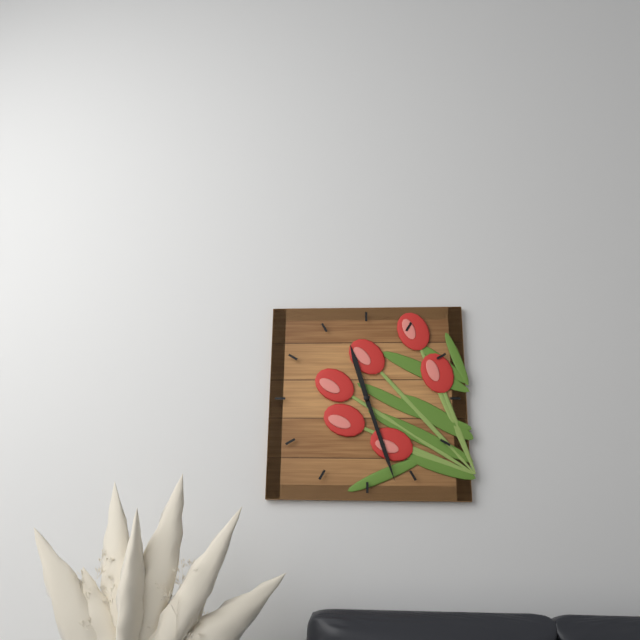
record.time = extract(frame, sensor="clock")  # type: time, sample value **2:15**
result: **11:27**
